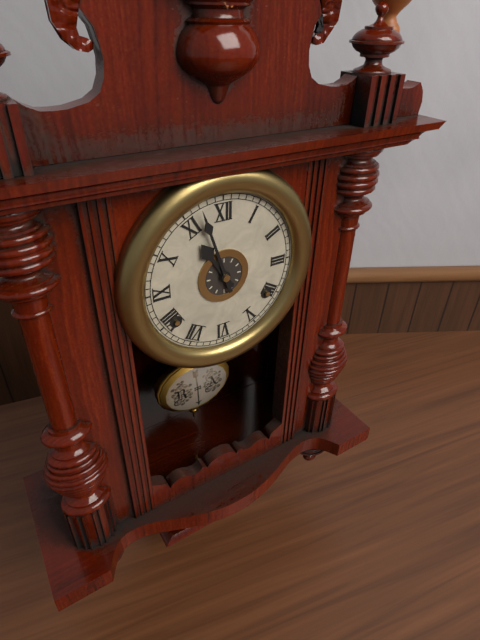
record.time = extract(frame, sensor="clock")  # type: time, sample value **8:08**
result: **10:57**
